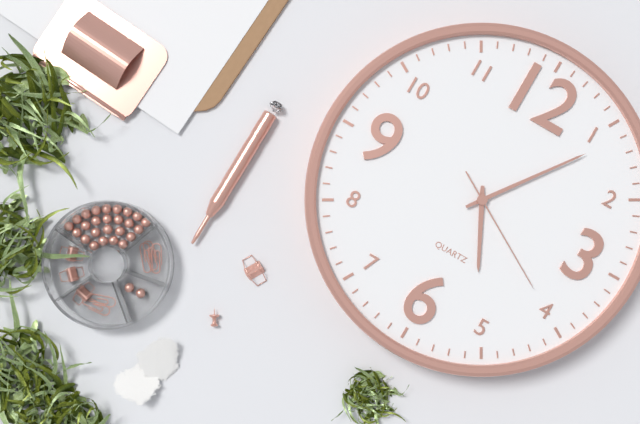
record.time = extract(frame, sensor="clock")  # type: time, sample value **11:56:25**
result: **5:06:20**
